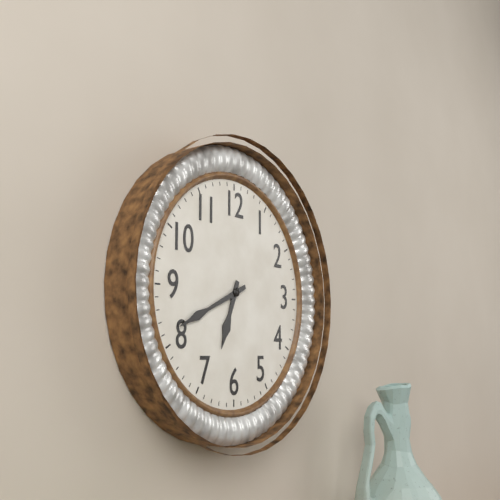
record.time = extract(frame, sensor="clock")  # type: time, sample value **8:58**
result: **6:41**
